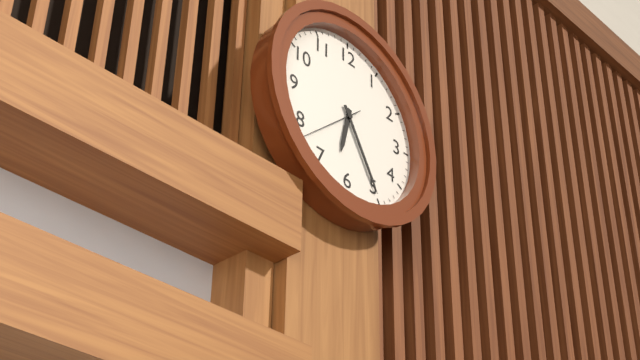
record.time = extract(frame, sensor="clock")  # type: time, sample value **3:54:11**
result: **6:25:38**
